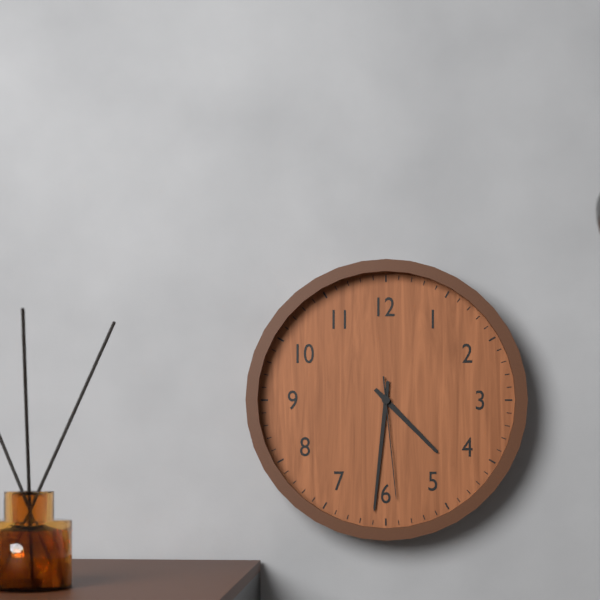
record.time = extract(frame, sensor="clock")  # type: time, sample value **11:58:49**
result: **4:31:29**
